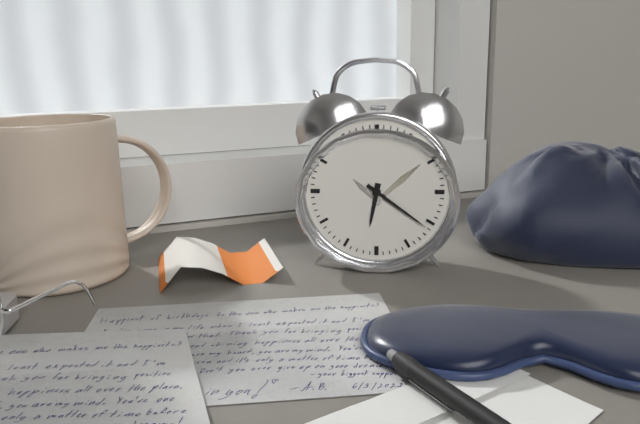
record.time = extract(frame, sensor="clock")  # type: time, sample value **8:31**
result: **6:21**
